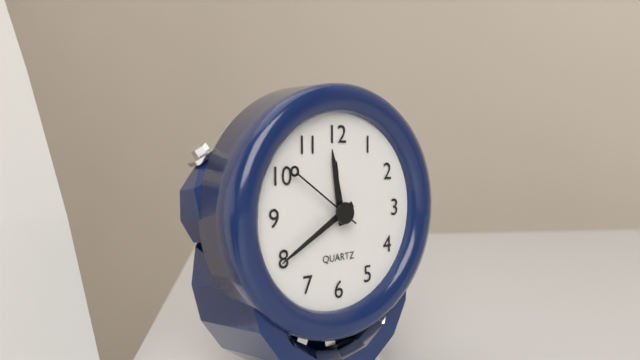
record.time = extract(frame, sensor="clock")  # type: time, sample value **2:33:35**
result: **11:40:51**
